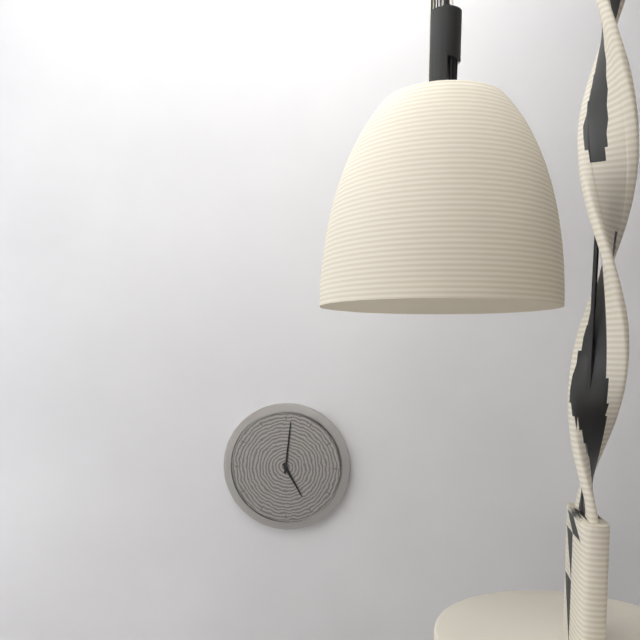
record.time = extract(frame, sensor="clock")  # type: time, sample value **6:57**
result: **5:01**
